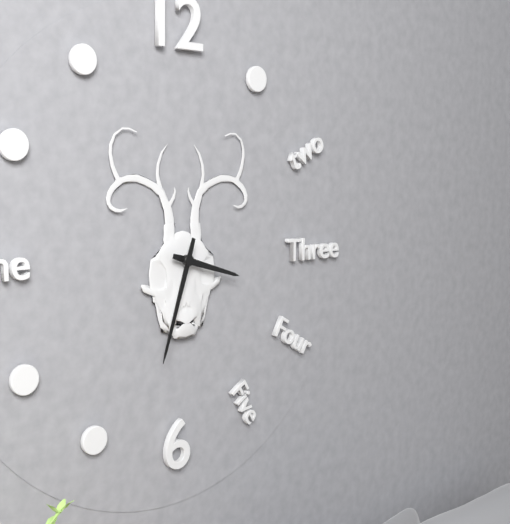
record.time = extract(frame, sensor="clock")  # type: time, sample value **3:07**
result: **3:33**
